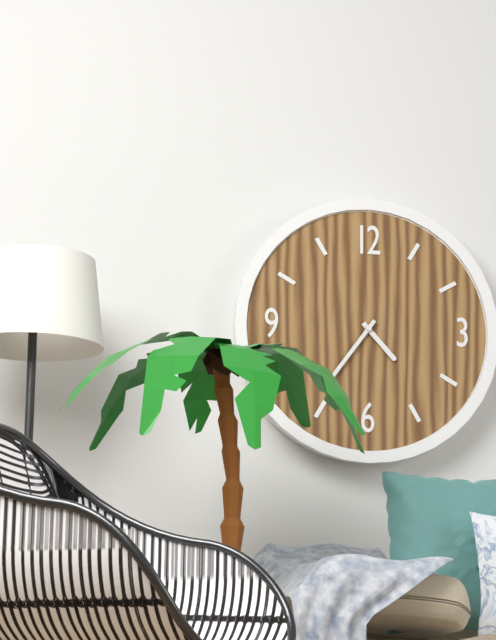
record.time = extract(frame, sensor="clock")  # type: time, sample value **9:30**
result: **4:36**
